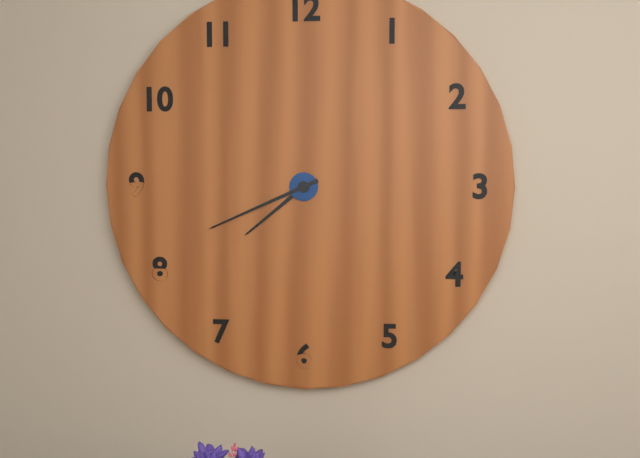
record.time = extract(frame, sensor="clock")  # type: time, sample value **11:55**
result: **7:41**
